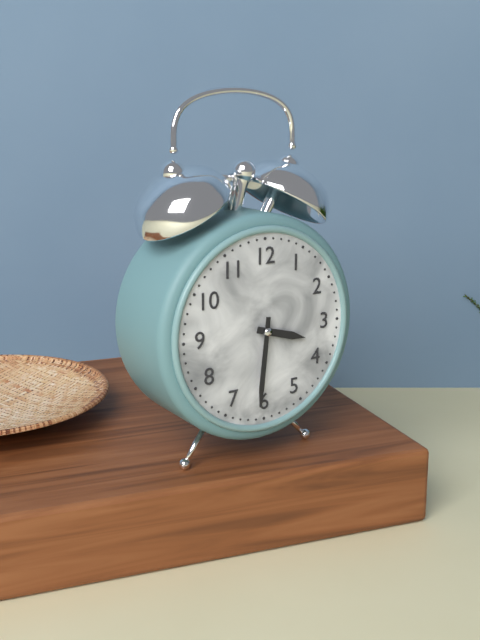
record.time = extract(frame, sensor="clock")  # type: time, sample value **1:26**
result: **3:31**
